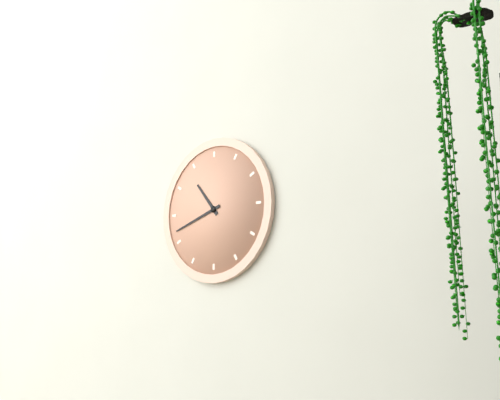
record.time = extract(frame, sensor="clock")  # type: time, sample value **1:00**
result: **10:42**
